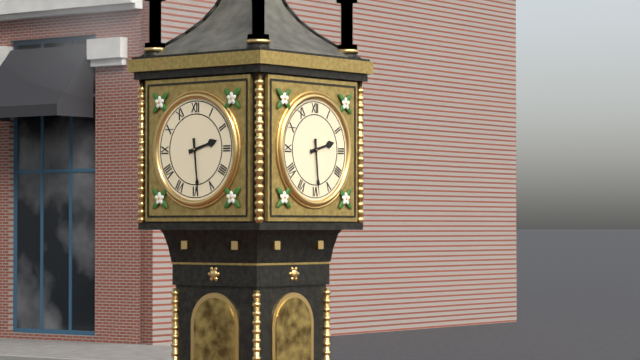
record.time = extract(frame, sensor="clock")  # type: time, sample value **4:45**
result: **2:29**
